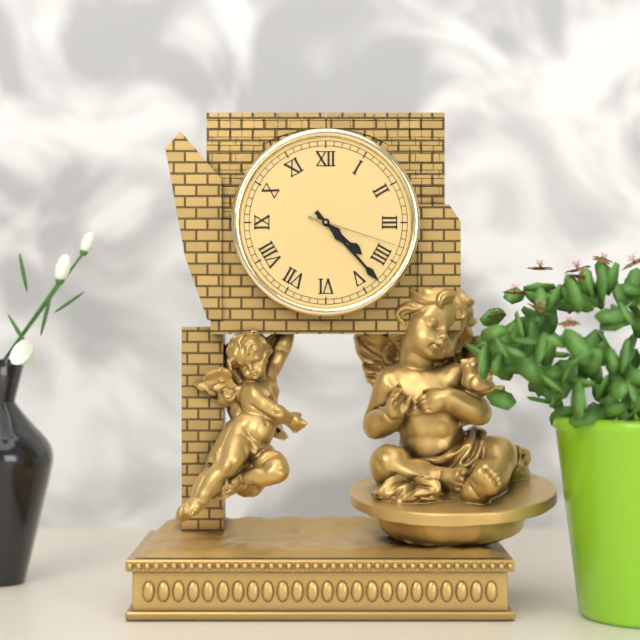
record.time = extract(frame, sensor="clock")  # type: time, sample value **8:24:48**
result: **4:23:18**
